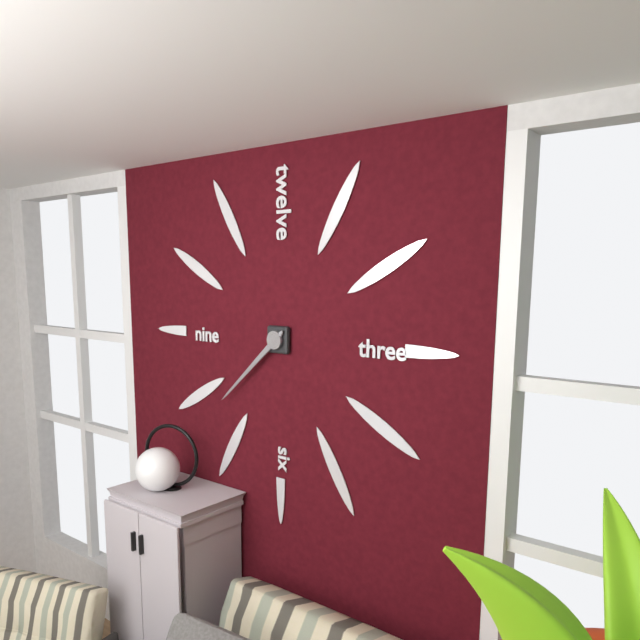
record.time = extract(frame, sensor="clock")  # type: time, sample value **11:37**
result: **7:38**
